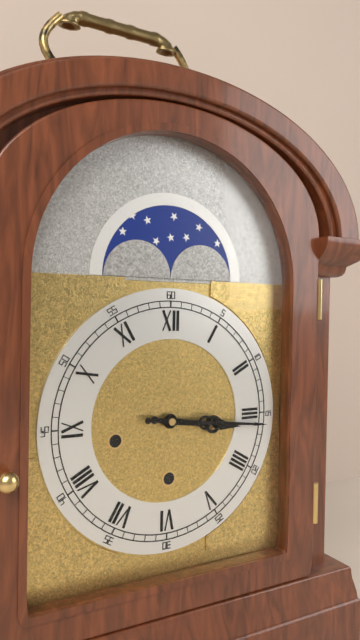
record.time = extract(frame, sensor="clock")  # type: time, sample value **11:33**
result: **3:16**
